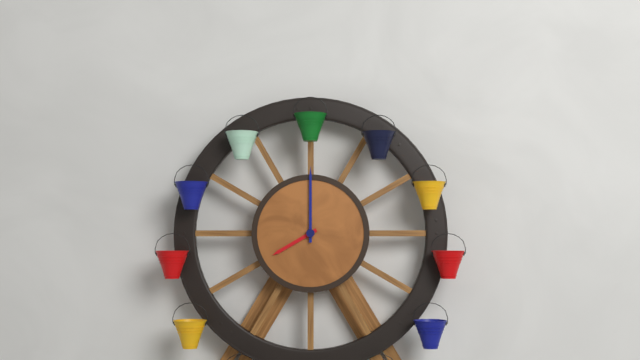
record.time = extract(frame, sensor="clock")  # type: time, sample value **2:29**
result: **8:00**
